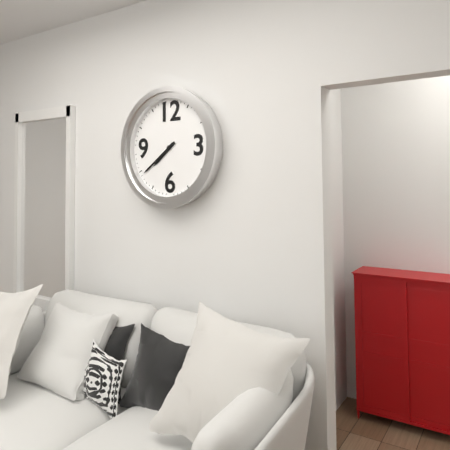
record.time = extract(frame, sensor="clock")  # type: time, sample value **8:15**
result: **7:39**
